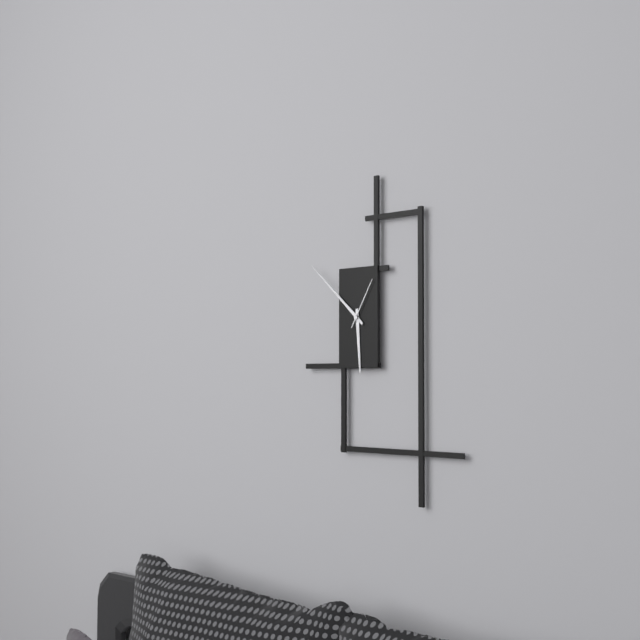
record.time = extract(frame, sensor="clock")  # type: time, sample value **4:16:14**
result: **5:52:05**
